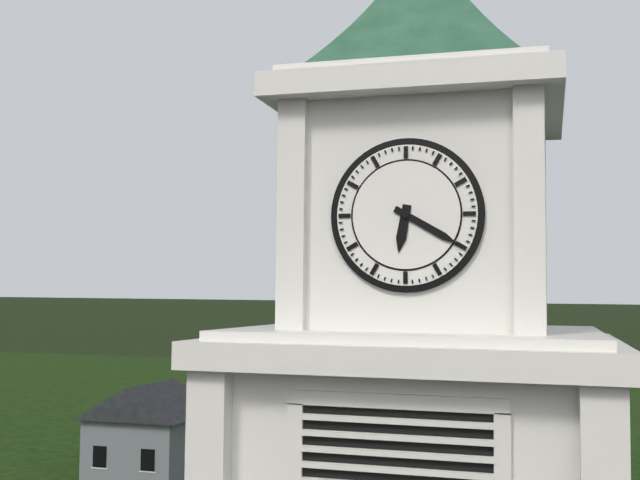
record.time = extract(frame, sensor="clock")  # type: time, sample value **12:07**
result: **6:20**
